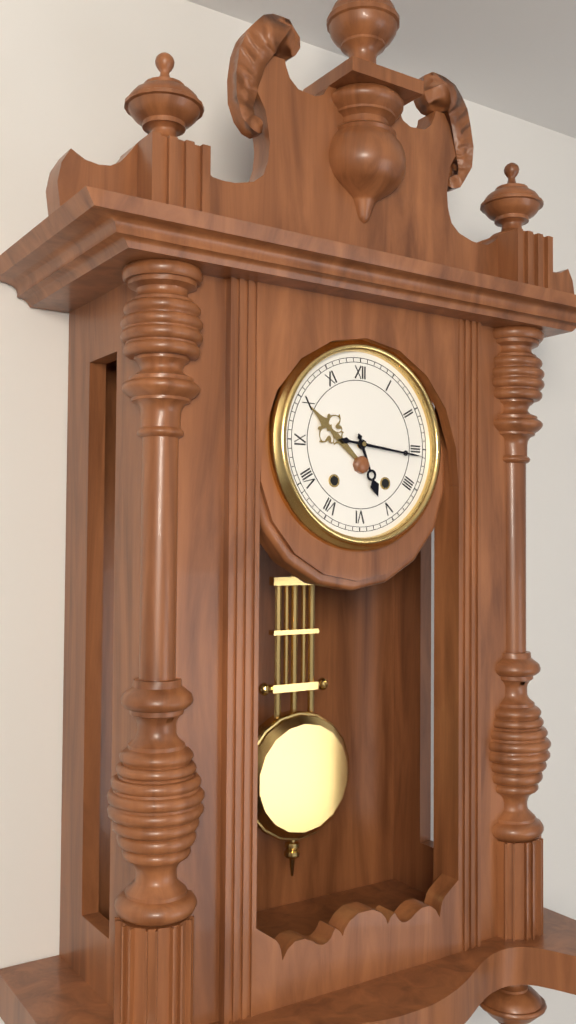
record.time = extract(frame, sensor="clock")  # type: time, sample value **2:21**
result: **5:16**
